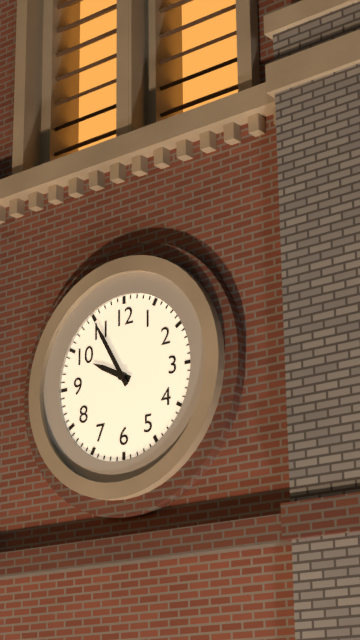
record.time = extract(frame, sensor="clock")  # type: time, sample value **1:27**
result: **9:55**
